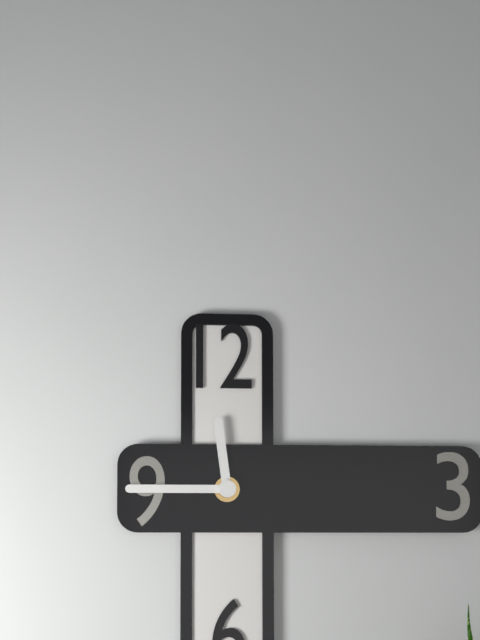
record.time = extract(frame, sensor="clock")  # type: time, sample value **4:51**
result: **11:45**
